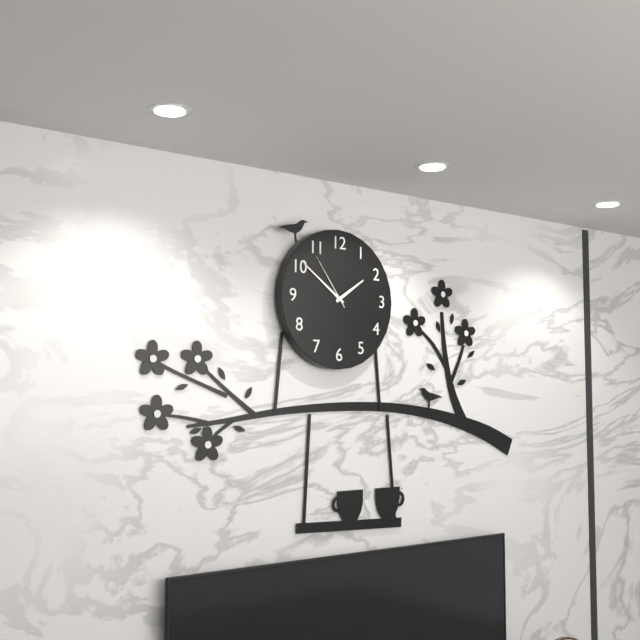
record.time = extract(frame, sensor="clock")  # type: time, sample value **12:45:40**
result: **1:51:54**
